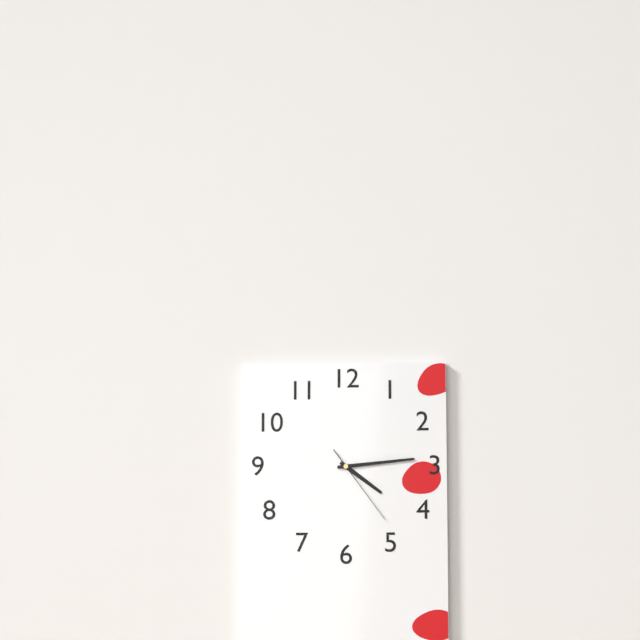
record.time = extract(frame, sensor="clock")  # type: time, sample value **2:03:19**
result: **4:14:24**
